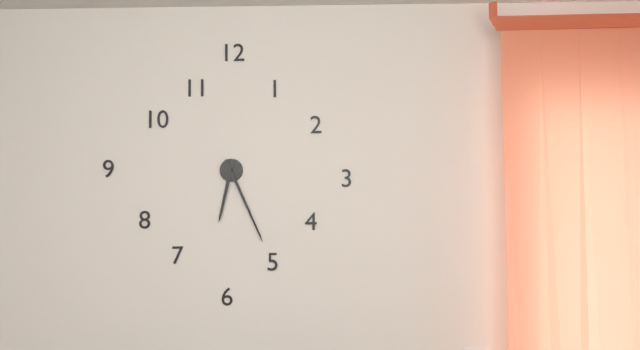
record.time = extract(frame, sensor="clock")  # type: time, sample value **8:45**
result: **6:26**
